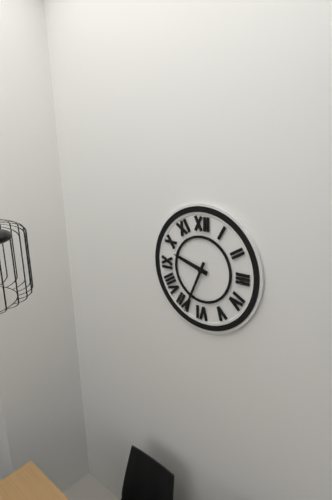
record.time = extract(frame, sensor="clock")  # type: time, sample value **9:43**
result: **9:34**
